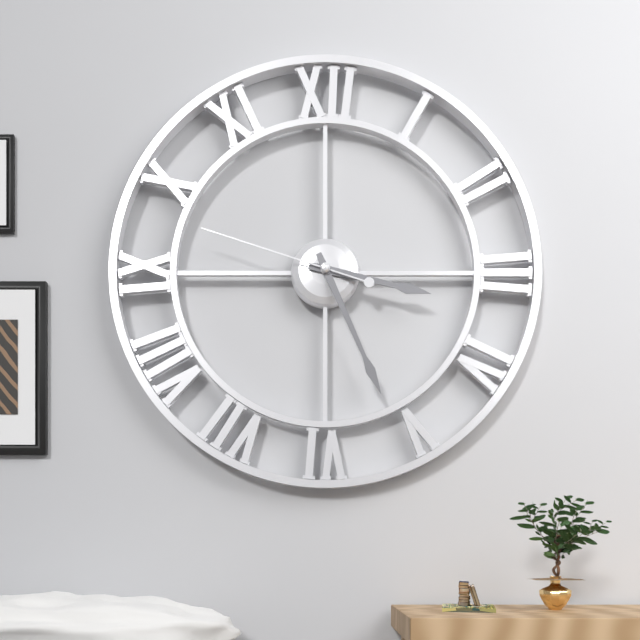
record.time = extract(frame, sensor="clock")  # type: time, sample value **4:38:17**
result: **3:26:48**
